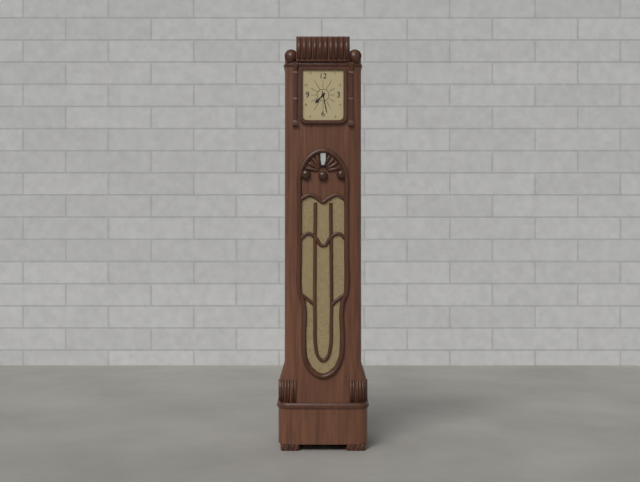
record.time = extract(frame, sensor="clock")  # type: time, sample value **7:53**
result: **7:28**
